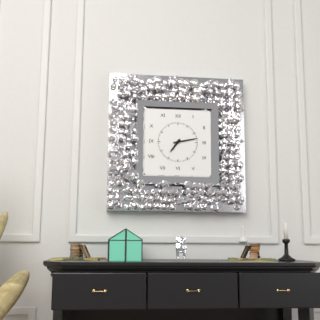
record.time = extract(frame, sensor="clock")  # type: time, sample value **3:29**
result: **7:13**
